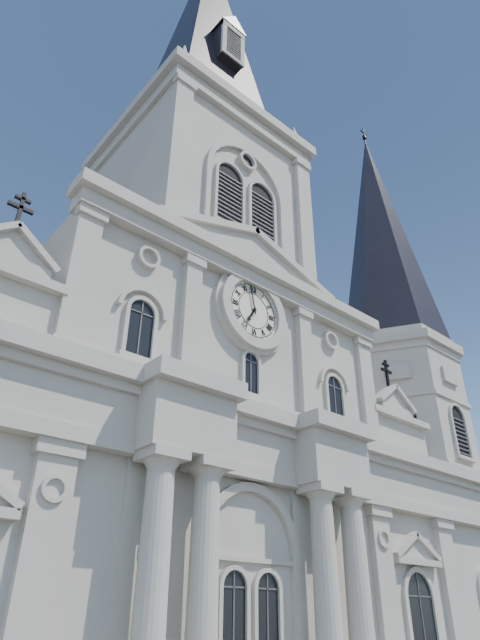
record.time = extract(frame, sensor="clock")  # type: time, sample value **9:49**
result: **6:58**
